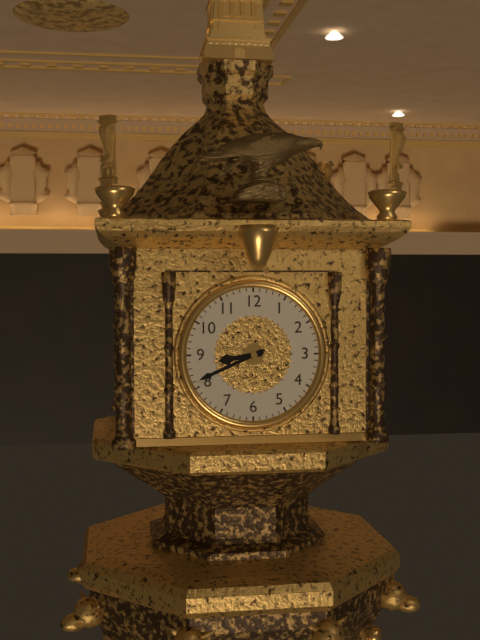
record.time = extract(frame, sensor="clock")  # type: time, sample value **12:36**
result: **8:41**
